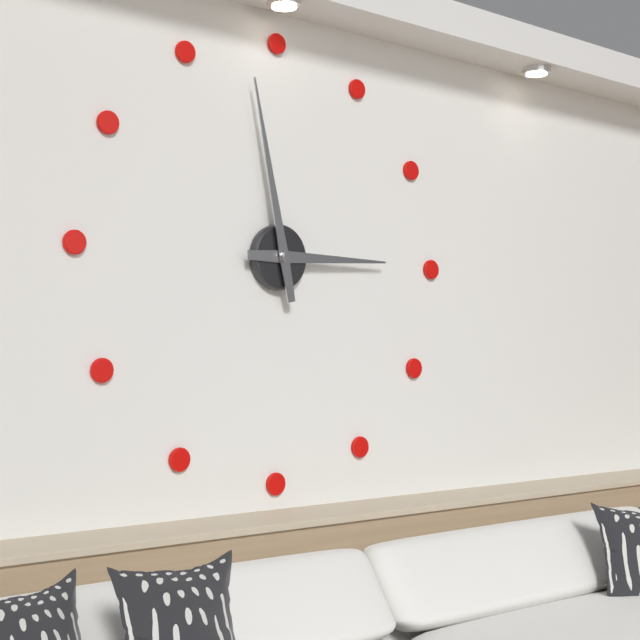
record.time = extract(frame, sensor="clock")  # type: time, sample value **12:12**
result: **2:58**
